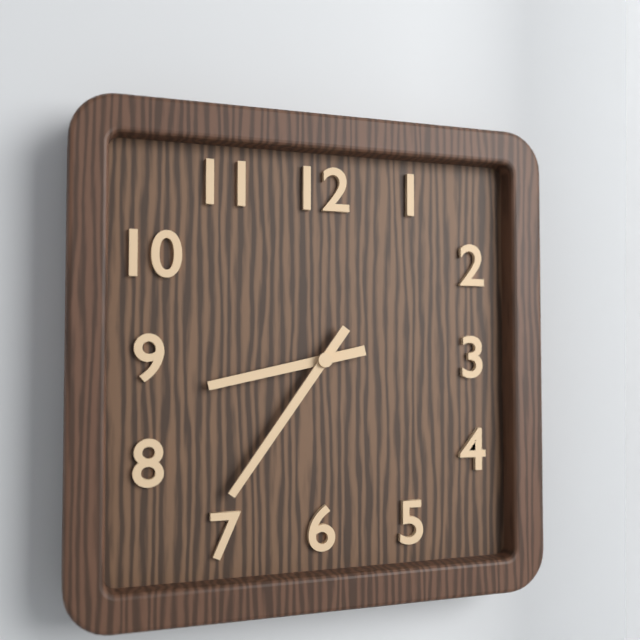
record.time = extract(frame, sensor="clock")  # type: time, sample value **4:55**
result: **8:36**
